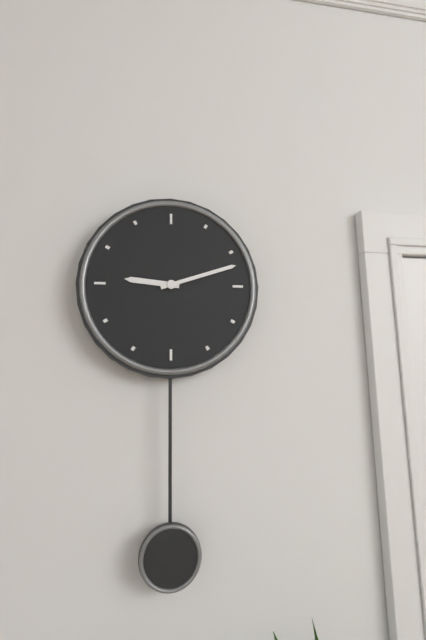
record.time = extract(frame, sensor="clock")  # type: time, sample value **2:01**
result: **9:12**
